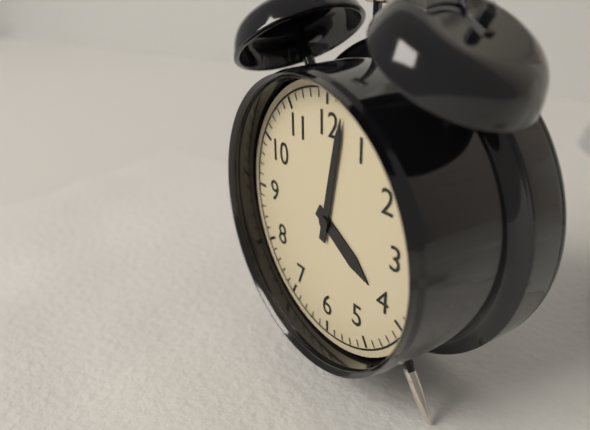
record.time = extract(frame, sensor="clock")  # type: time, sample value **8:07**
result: **4:02**
